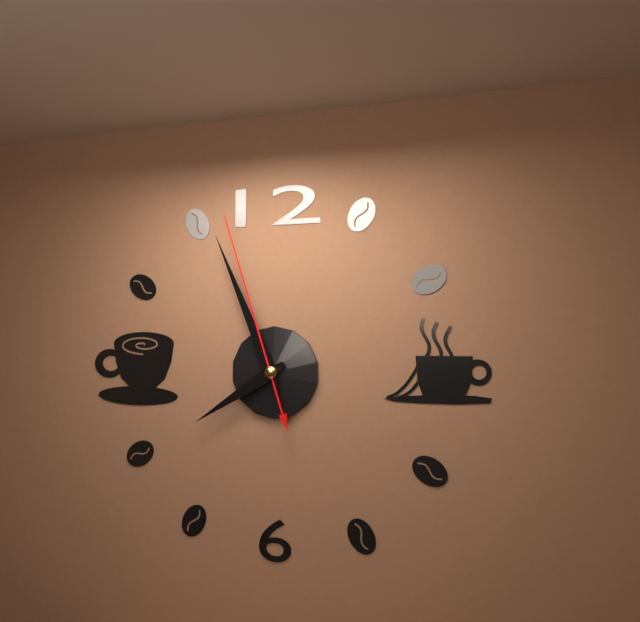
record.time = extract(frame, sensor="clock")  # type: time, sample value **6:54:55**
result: **7:56:57**
